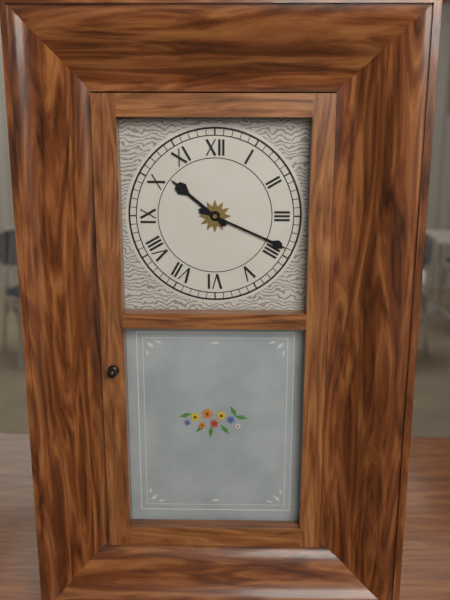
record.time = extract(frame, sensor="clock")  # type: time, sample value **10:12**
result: **10:19**
